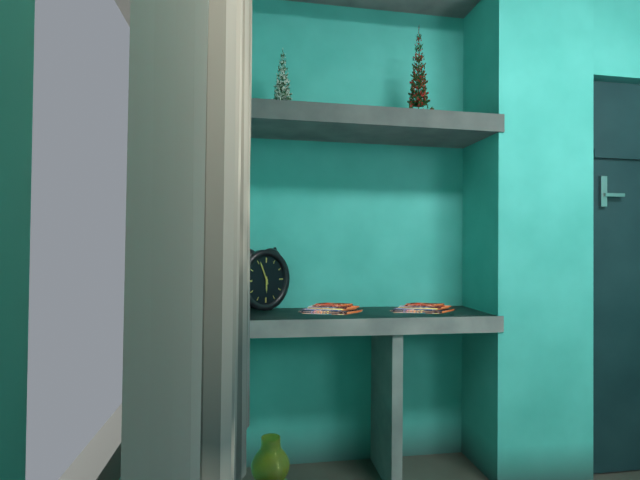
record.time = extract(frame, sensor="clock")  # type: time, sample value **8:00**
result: **5:56**
